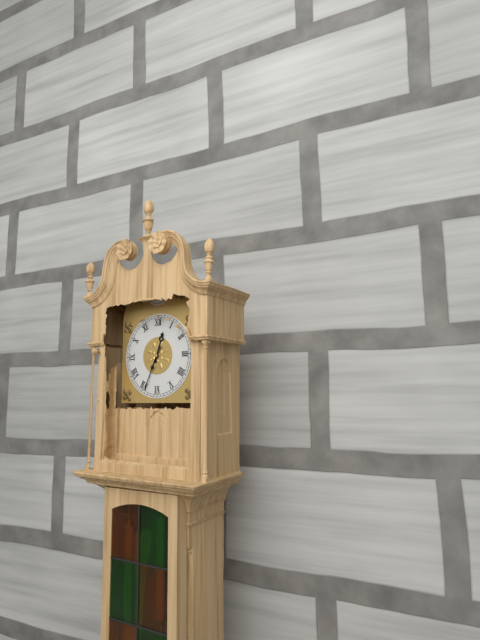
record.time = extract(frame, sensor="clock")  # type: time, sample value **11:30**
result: **12:34**
